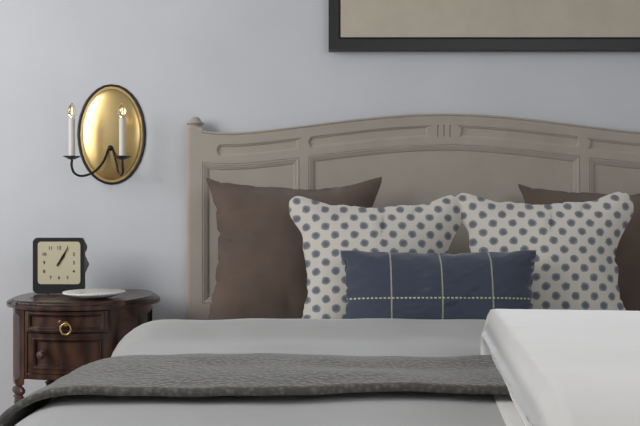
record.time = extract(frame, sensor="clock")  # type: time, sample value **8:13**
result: **1:05**
